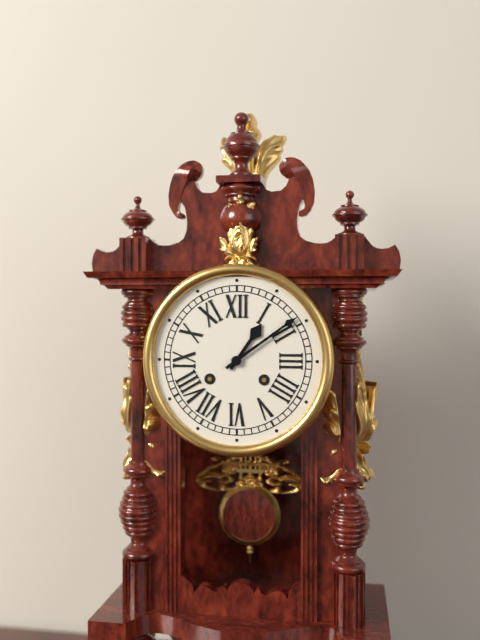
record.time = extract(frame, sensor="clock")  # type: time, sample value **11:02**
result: **1:09**
